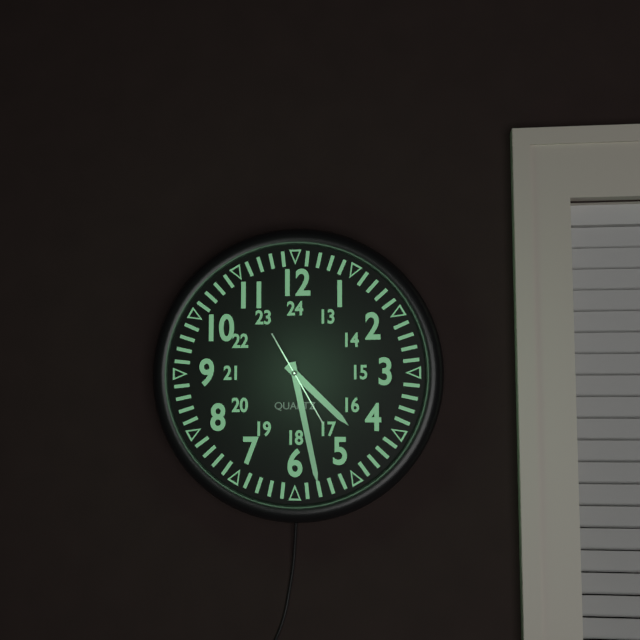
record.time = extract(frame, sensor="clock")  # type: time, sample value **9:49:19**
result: **4:28:25**
